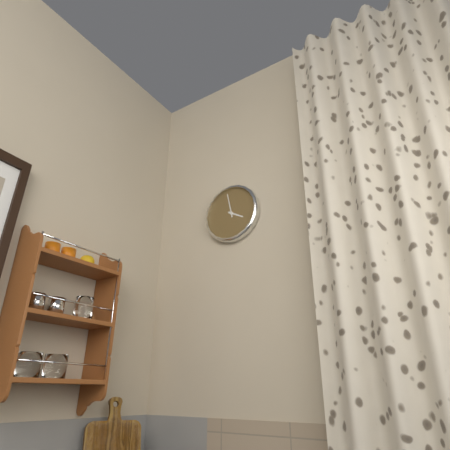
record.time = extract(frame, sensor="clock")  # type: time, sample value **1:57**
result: **3:58**
